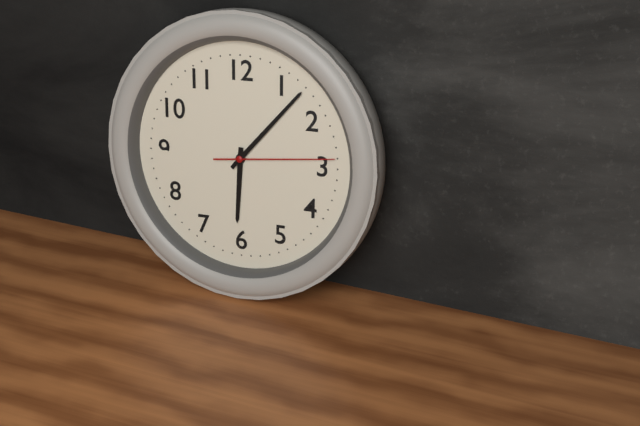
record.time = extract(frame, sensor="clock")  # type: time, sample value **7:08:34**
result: **6:07:14**
